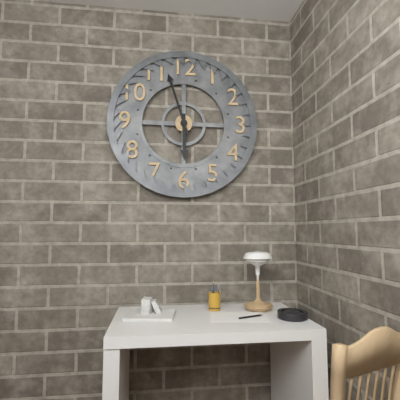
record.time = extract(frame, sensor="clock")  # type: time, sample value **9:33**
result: **5:57**
